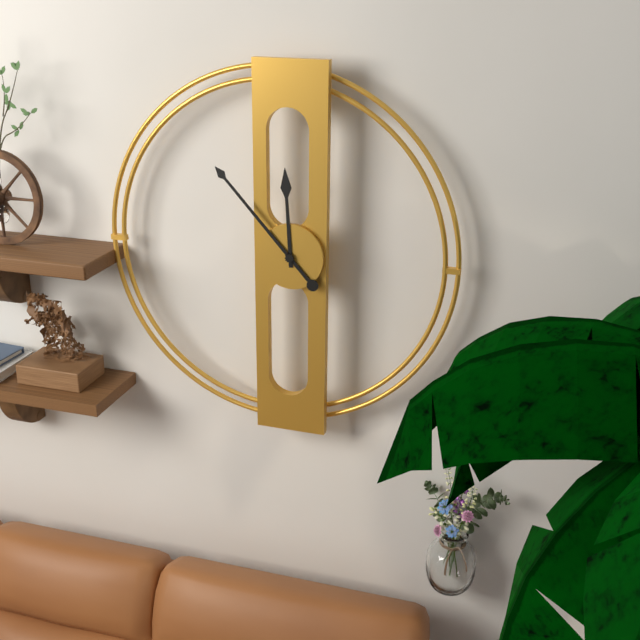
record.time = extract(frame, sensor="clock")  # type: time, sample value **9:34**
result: **11:53**
